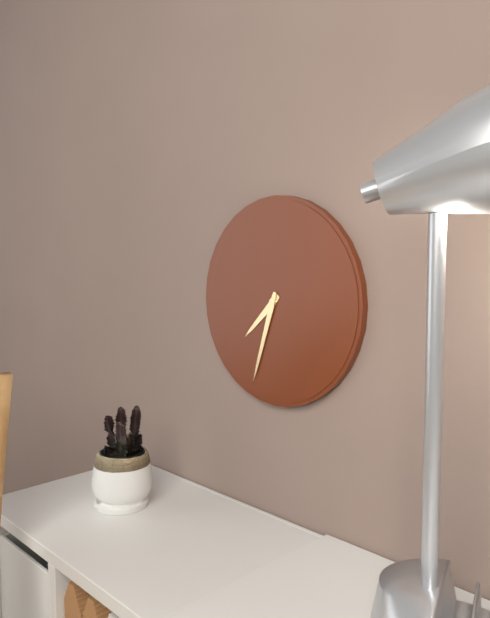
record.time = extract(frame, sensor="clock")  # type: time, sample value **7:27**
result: **7:33**
